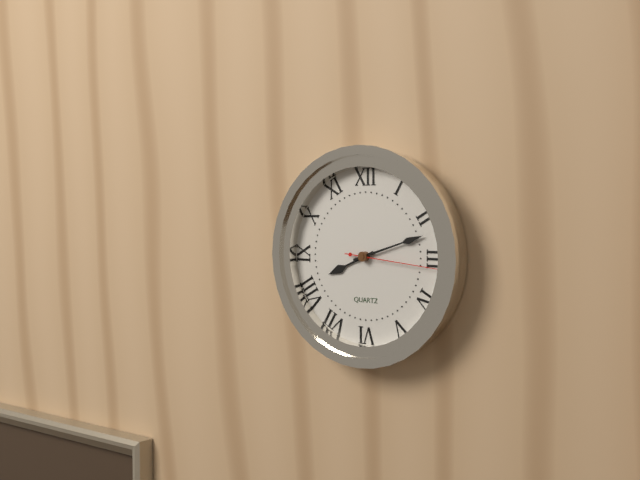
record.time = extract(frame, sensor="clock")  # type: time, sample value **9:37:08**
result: **8:12:16**
